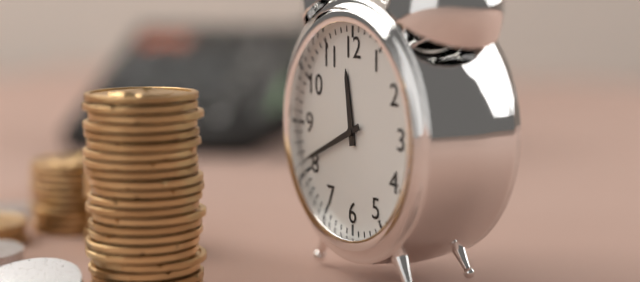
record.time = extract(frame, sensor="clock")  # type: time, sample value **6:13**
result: **11:41**
